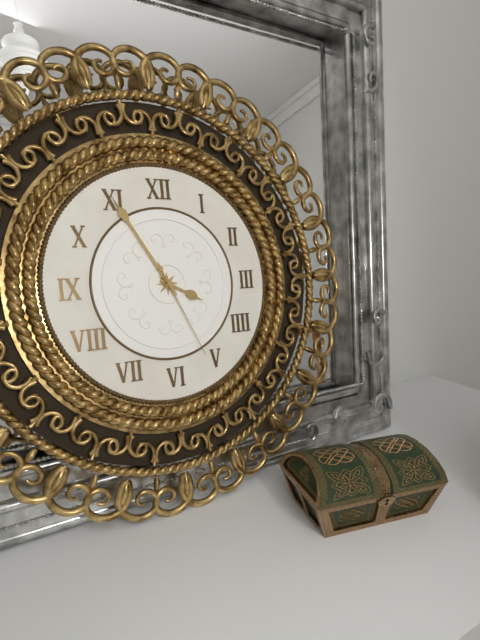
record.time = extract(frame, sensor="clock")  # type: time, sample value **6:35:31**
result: **3:55:26**
